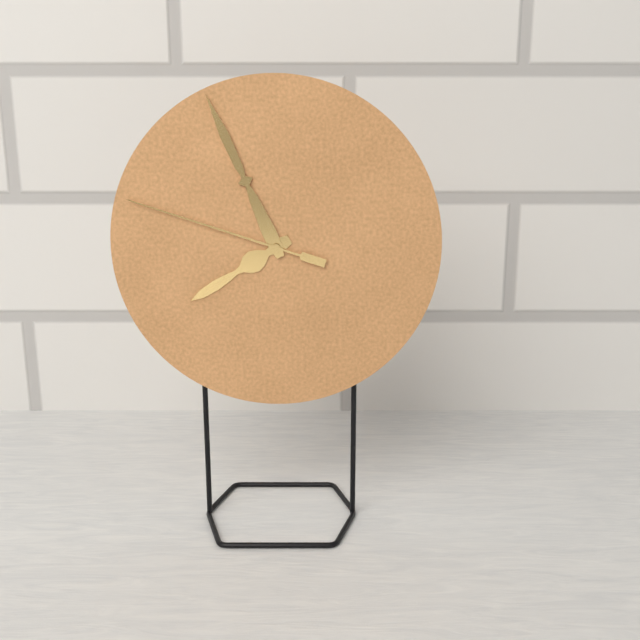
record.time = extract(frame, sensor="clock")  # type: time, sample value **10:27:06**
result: **7:56:48**
